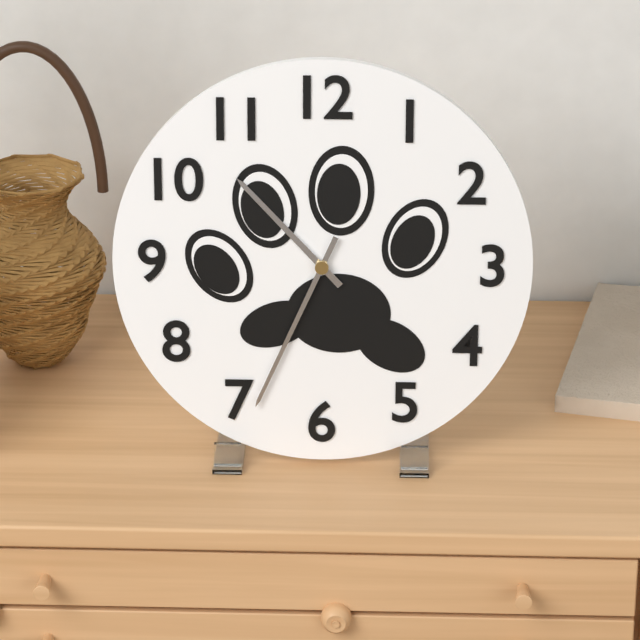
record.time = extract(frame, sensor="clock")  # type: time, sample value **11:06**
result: **10:34**
